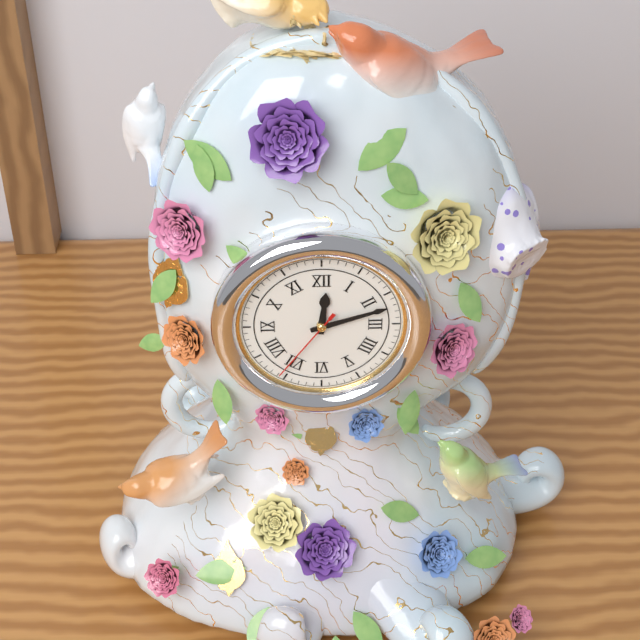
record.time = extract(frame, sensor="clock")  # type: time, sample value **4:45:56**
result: **12:12:36**
